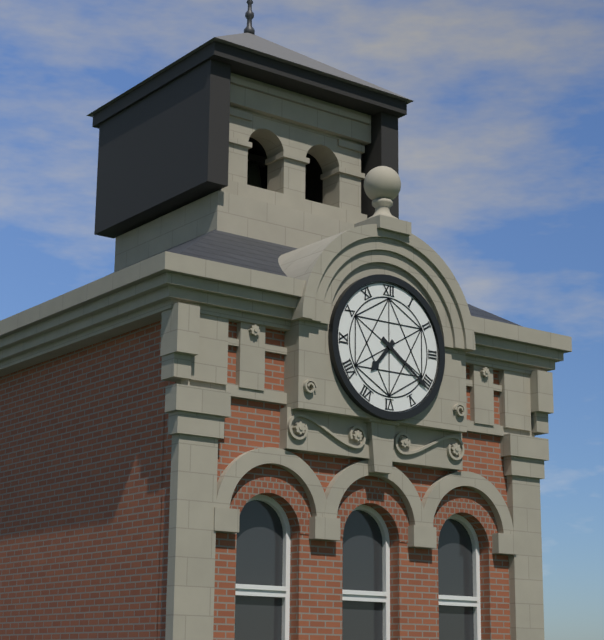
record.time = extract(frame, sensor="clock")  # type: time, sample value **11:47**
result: **7:21**
